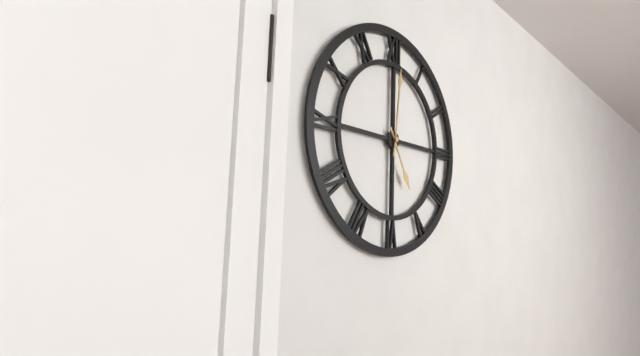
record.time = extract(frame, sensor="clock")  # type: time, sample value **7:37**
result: **5:01**
